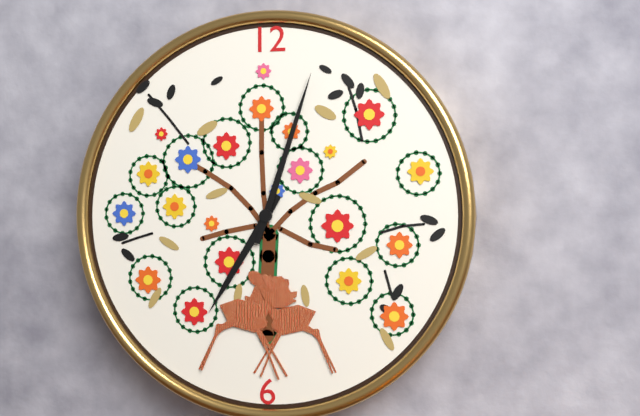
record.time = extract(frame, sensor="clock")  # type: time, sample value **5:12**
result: **7:03**
